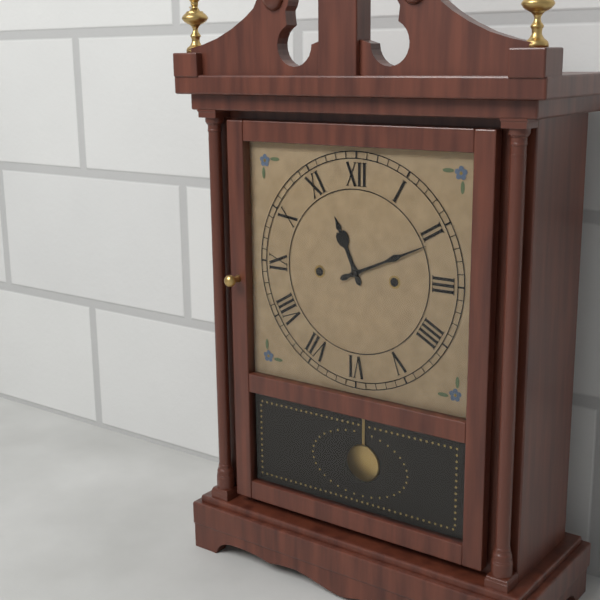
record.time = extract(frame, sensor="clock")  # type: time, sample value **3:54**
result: **11:11**
